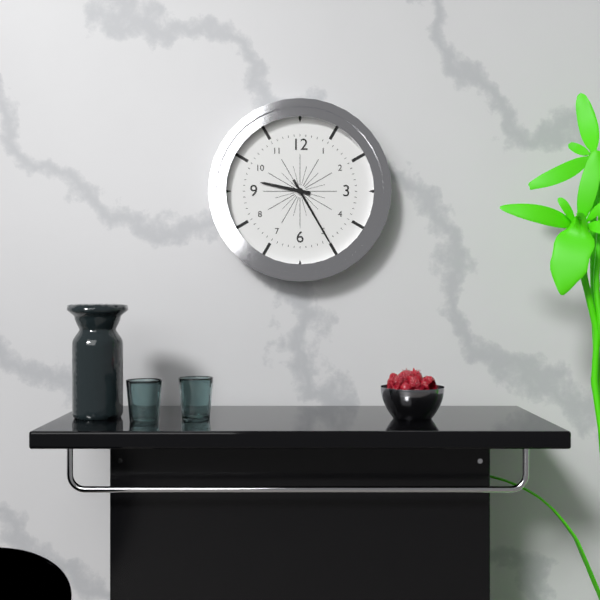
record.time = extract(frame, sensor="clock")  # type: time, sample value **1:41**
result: **9:25**
